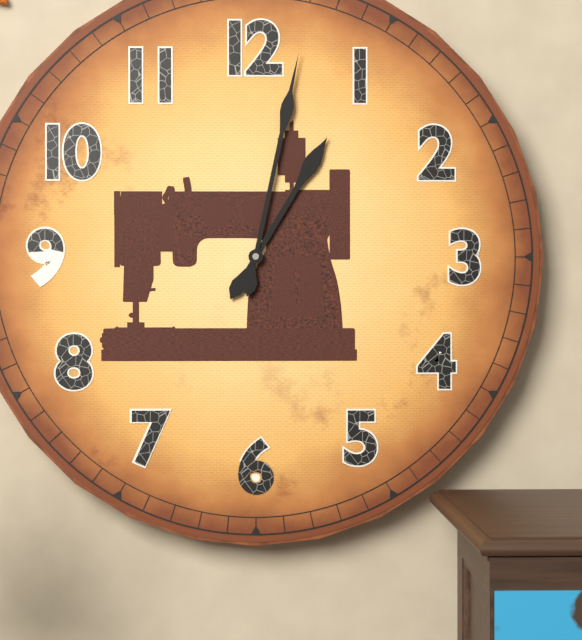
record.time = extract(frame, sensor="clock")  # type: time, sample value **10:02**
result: **1:02**
